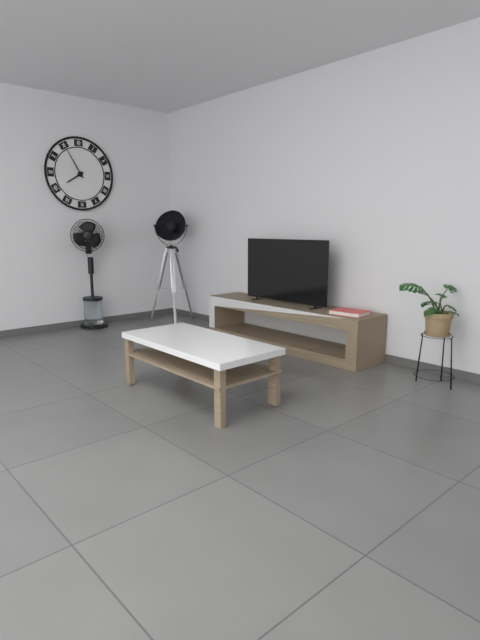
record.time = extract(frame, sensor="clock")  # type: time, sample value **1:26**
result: **7:55**
